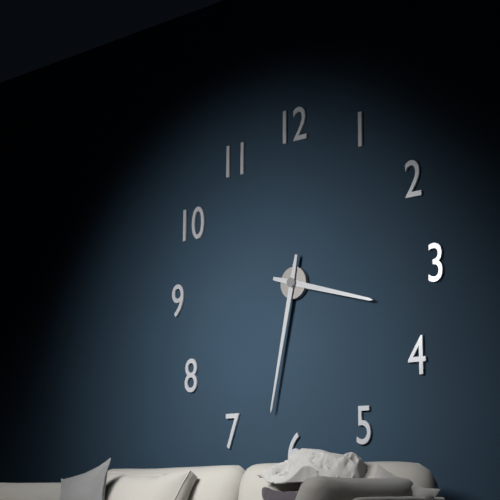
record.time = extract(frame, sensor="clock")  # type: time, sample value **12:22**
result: **3:32**
